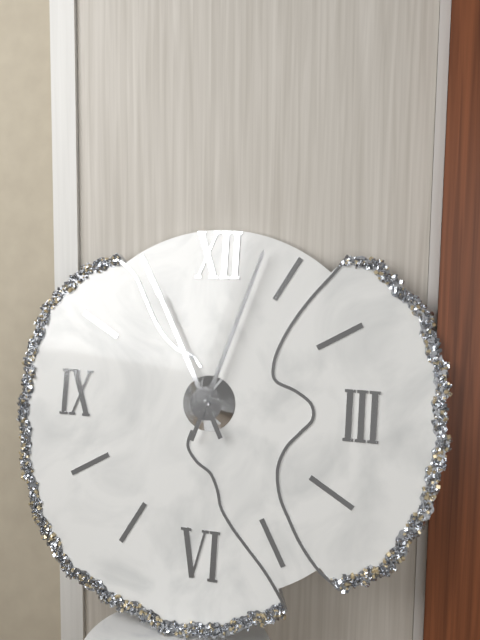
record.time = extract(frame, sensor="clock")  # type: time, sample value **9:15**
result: **11:03**
